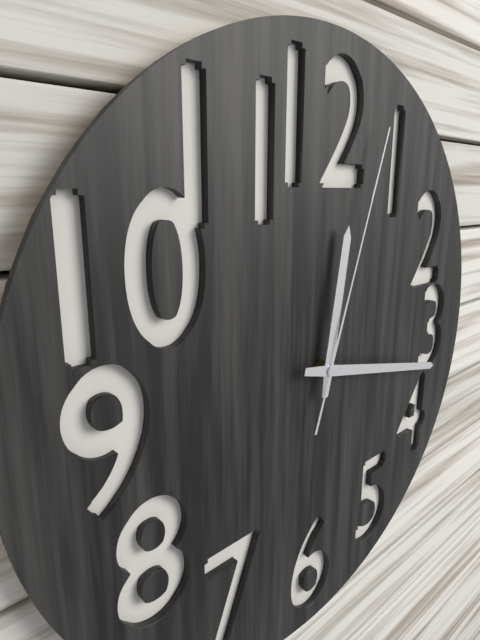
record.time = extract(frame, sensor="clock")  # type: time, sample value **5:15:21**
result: **12:17:03**
